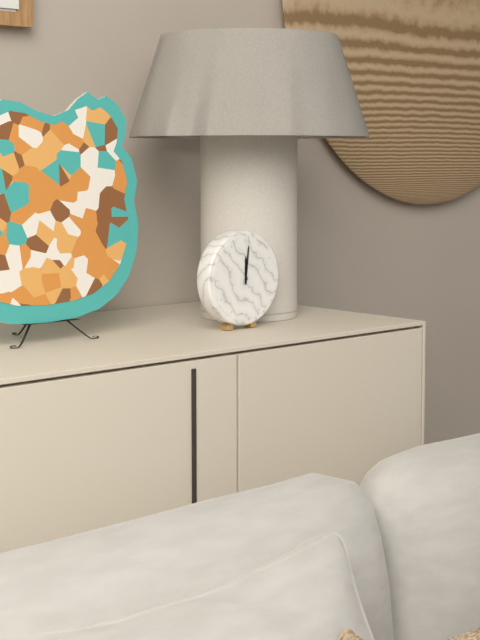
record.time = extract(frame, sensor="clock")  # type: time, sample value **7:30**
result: **12:01**
